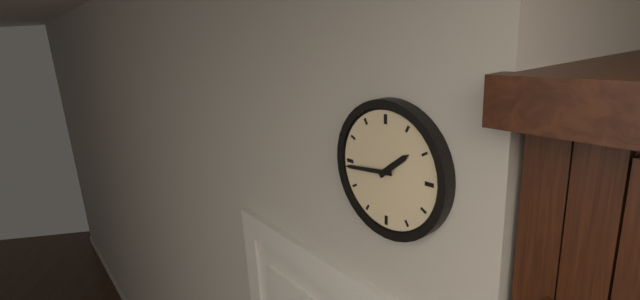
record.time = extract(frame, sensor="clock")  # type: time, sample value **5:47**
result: **1:44**
